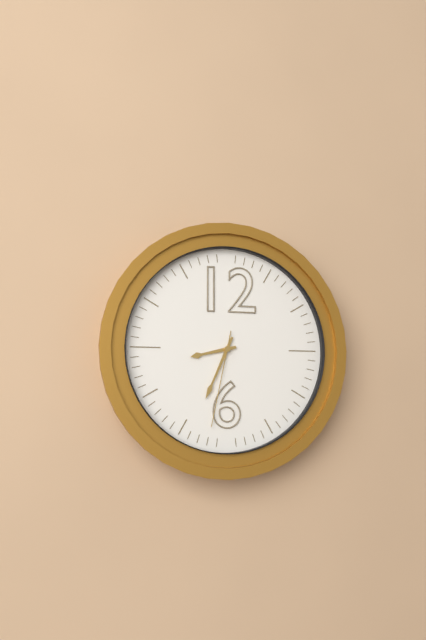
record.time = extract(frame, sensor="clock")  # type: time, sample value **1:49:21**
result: **8:34:32**
